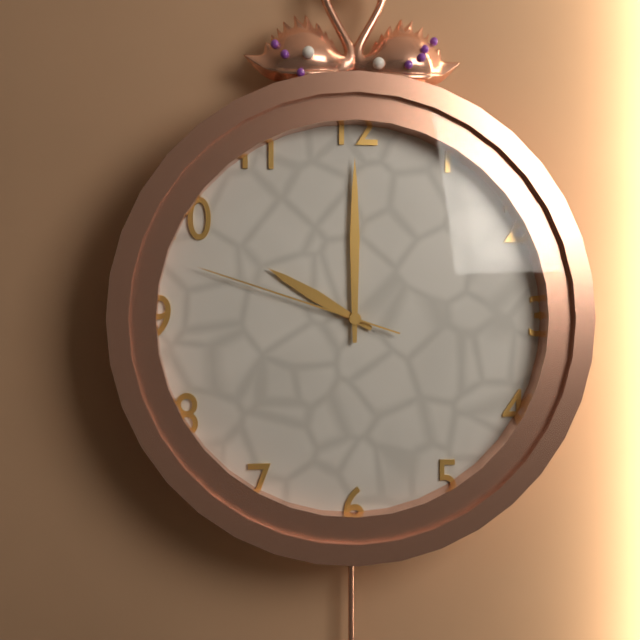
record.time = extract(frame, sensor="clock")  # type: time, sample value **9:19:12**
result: **10:00:48**
